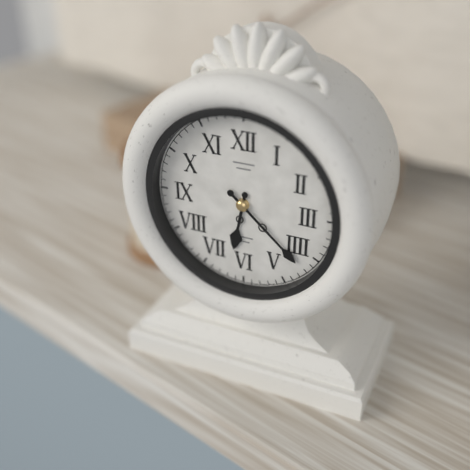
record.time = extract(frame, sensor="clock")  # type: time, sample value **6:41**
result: **6:22**
